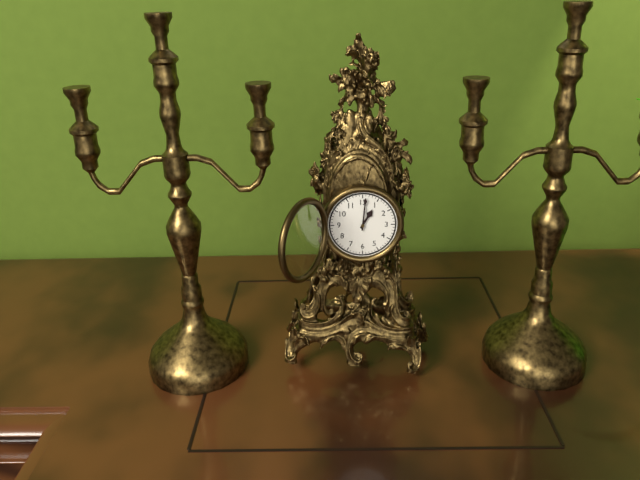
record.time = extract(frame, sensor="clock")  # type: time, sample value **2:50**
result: **1:01**
